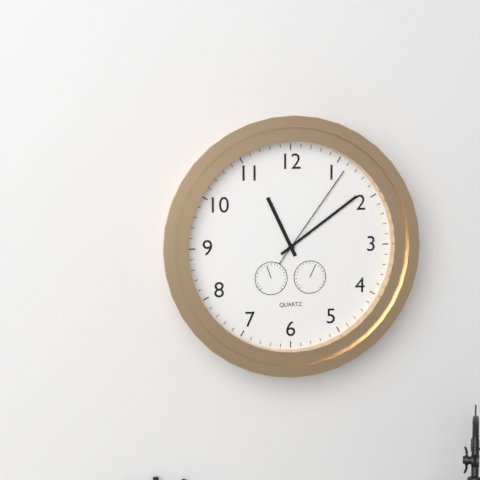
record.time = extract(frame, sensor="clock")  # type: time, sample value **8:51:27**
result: **11:09:06**
